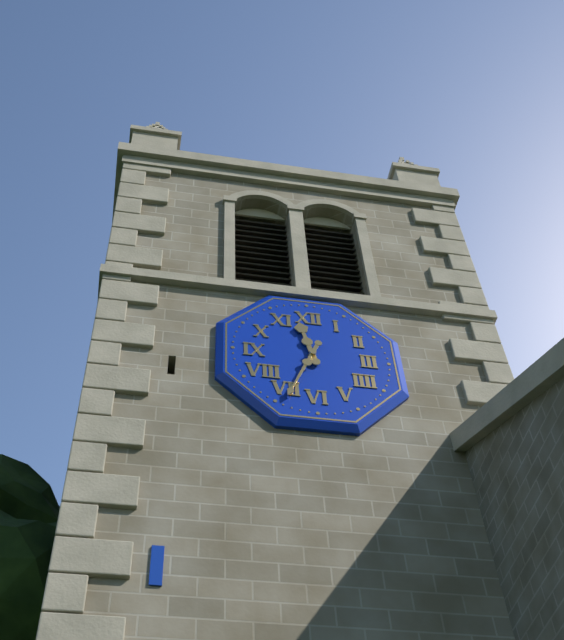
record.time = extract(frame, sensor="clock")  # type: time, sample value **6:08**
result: **11:34**
